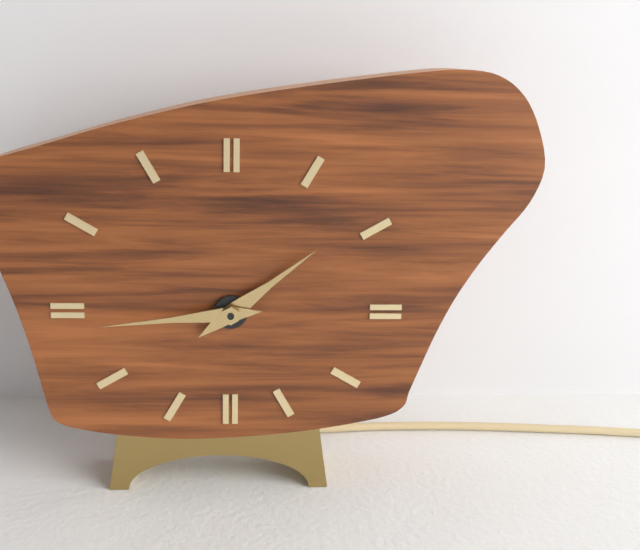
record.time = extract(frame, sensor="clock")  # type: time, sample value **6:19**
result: **1:44**
